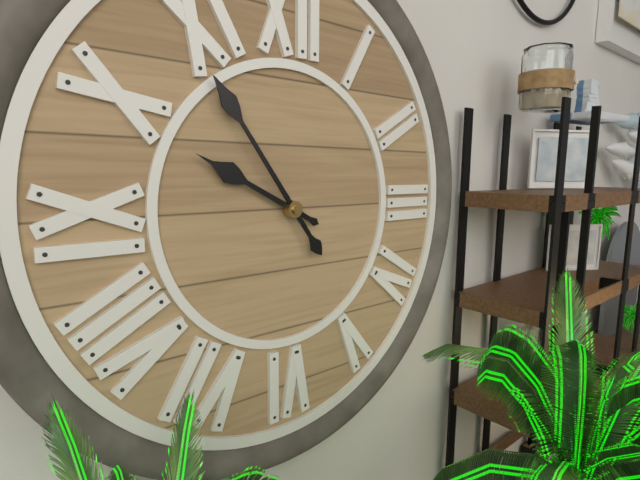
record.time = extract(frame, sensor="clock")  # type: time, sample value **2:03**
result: **9:54**
